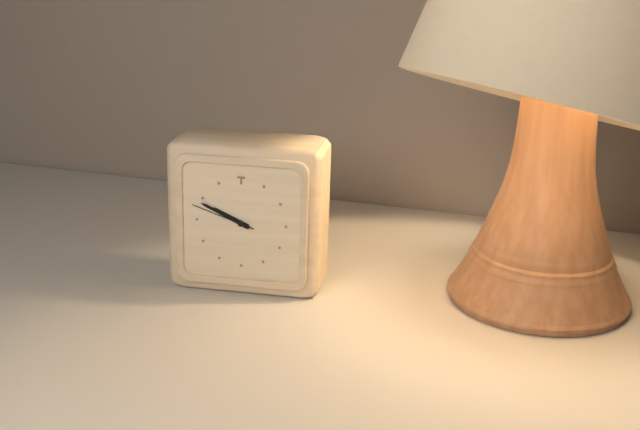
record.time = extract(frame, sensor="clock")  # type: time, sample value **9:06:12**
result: **9:49:48**
